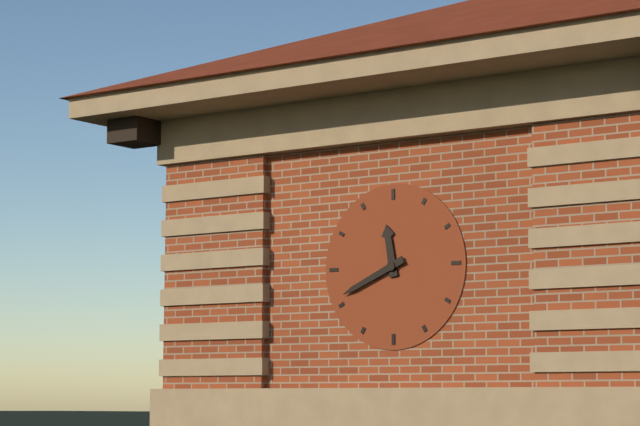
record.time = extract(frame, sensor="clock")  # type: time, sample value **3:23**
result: **11:41**
